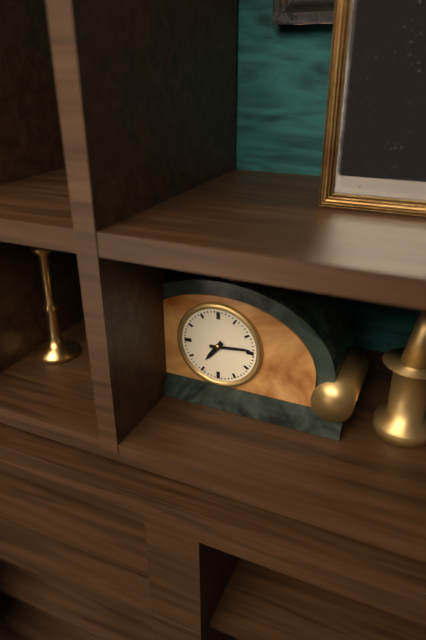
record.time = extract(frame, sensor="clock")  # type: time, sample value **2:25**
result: **7:14**
